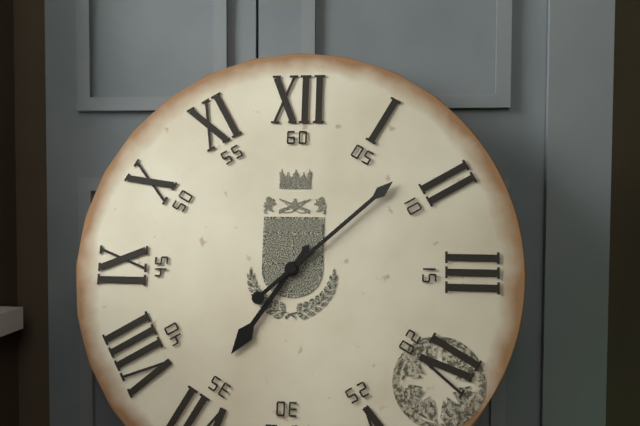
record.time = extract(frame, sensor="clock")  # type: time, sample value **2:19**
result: **7:08**
